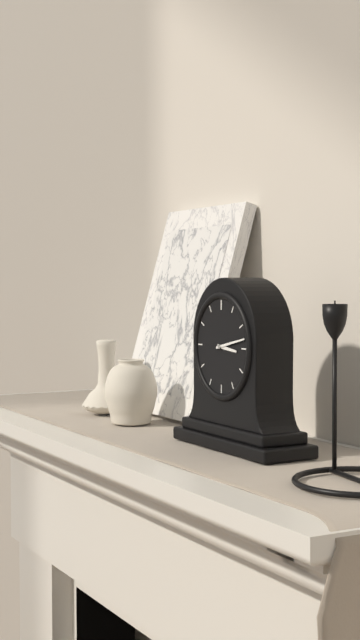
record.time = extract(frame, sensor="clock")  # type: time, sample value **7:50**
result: **3:13**
